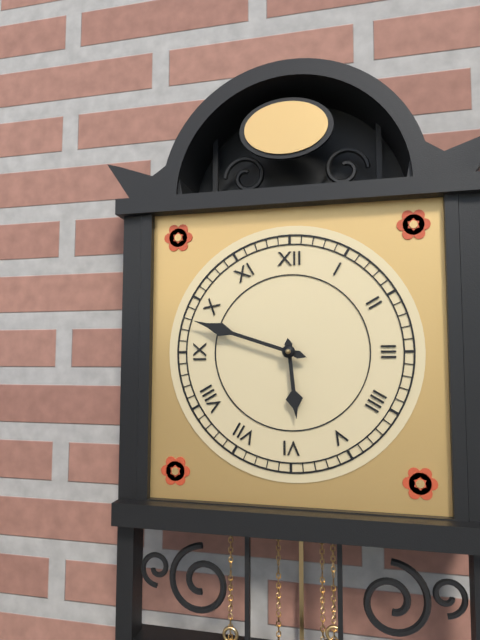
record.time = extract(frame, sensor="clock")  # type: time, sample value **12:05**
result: **5:48**
